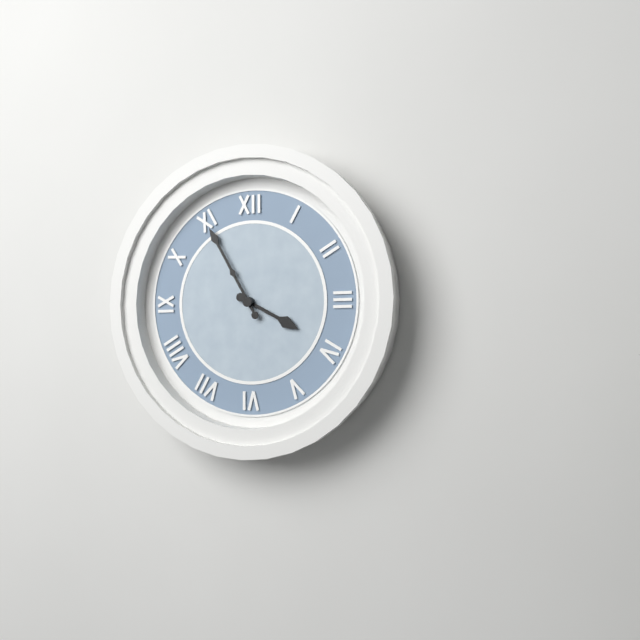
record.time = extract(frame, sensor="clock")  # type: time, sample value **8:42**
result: **3:55**
